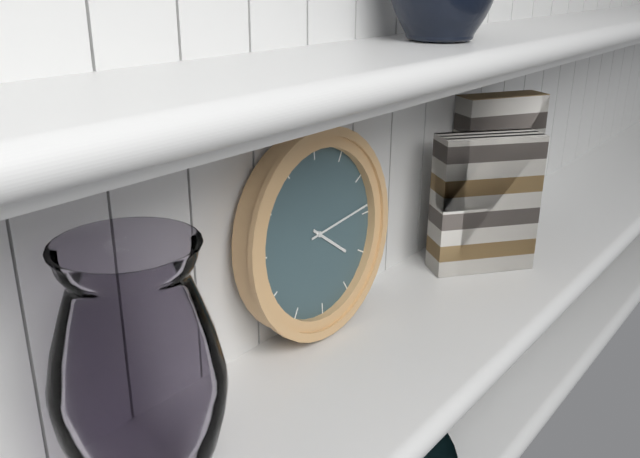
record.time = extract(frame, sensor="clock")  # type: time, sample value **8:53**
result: **4:14**
